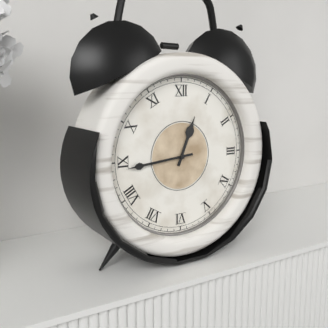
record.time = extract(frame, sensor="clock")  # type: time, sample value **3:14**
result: **12:44**
